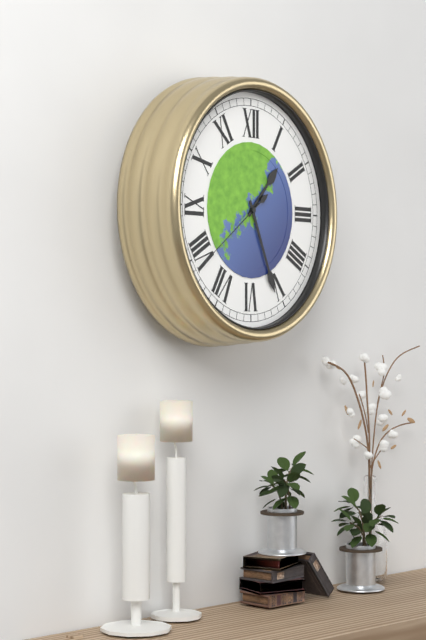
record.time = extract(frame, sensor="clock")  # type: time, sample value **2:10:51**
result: **1:26:39**
